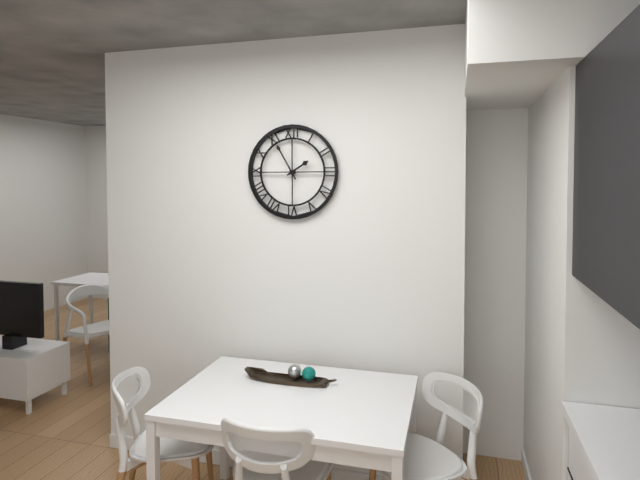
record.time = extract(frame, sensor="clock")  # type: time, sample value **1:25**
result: **1:55**
